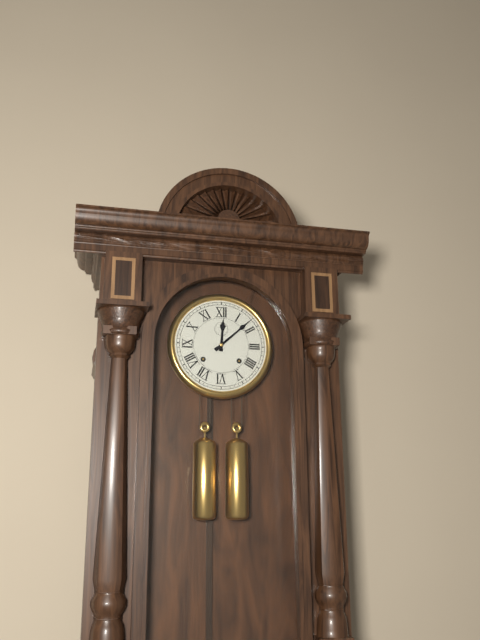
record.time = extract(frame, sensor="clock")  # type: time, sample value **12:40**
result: **12:08**
